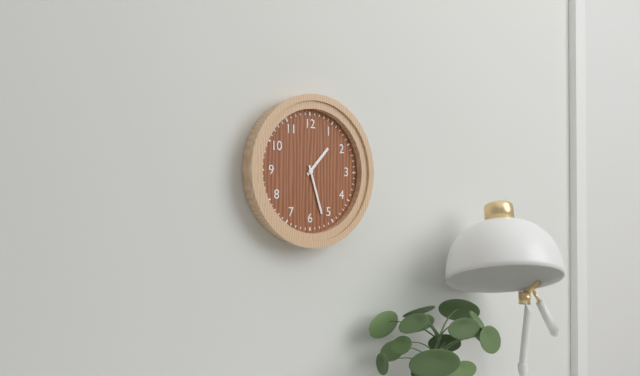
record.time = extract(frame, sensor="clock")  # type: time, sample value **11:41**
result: **1:27**
